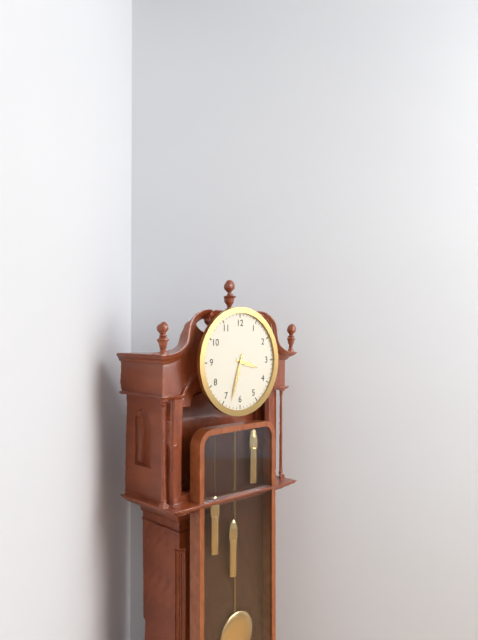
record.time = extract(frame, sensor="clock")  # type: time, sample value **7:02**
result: **3:33**
